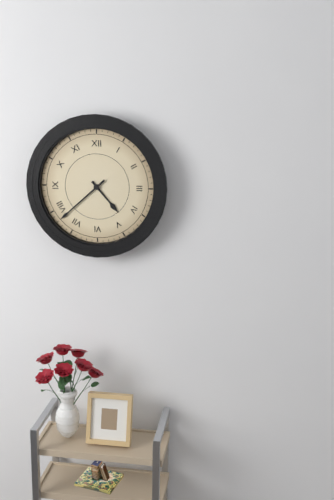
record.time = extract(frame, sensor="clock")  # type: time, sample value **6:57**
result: **4:38**
